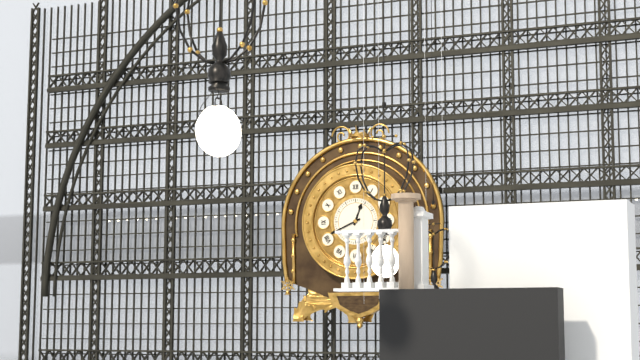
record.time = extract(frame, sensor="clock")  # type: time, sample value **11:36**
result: **12:41**
